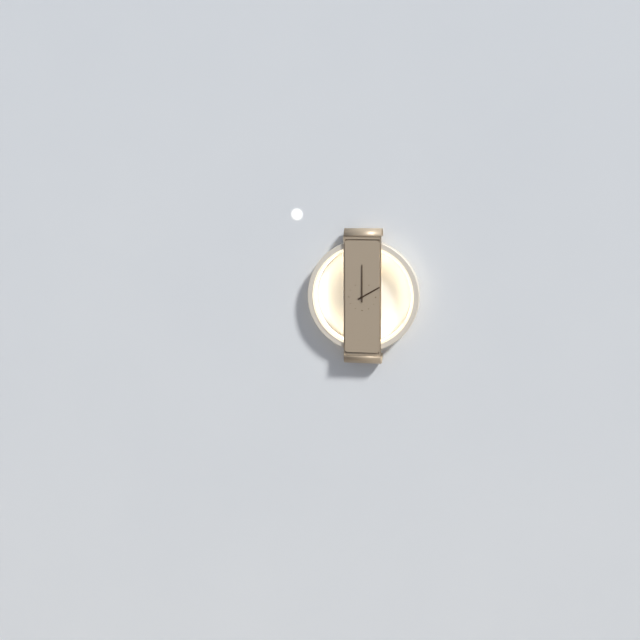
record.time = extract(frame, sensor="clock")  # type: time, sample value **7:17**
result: **2:00**
